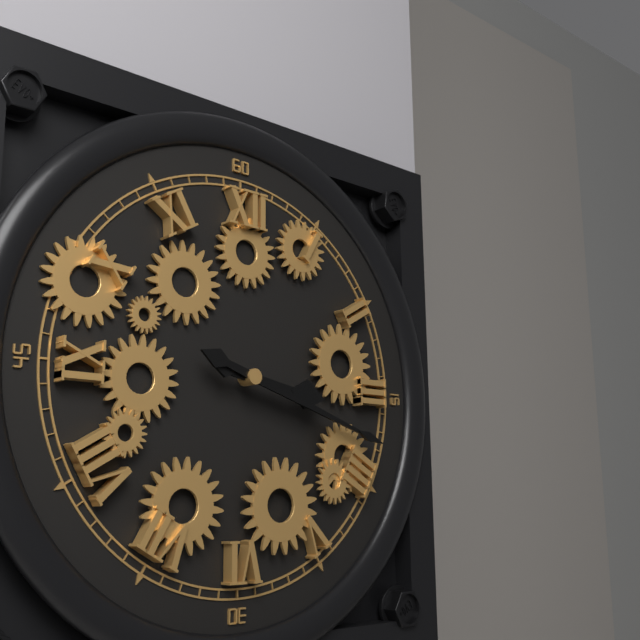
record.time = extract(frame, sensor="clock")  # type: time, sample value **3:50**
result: **3:18**
